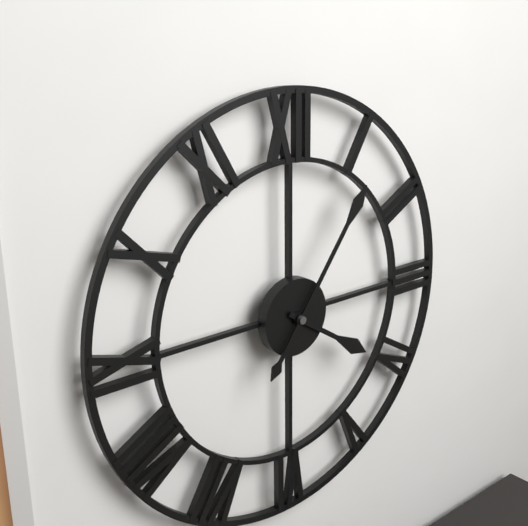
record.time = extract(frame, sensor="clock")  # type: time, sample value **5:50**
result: **4:06**
